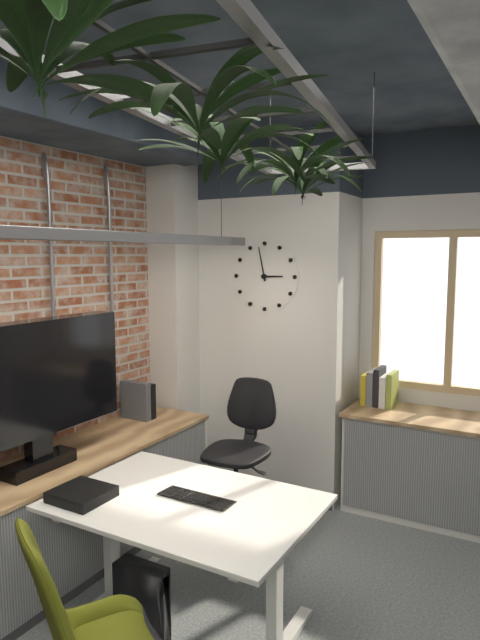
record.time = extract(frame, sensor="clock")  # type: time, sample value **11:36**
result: **2:58**
